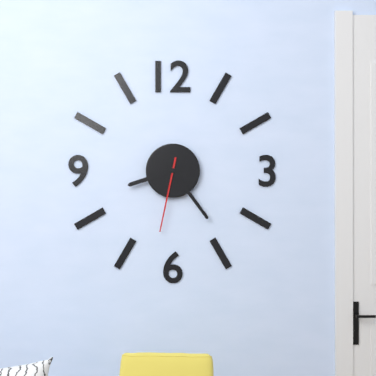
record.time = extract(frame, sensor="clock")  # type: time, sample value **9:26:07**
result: **8:24:32**
